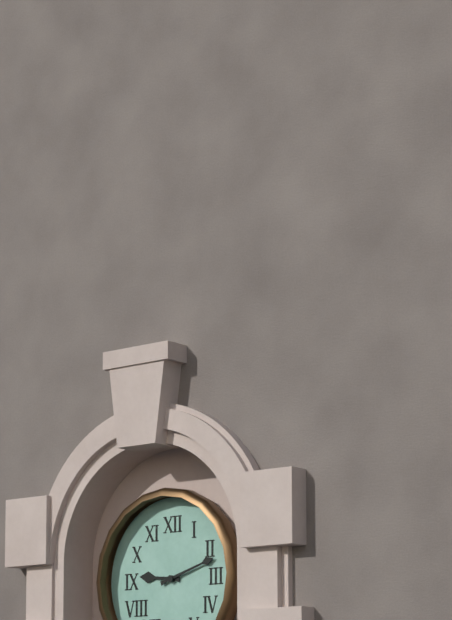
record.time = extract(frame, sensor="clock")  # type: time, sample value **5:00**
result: **9:12**
